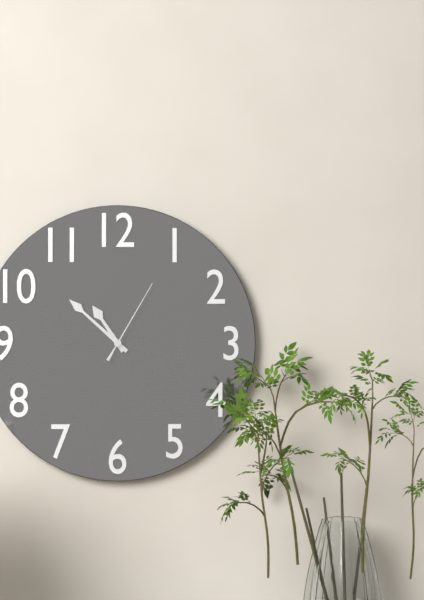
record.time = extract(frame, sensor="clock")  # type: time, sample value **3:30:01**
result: **10:52:05**
